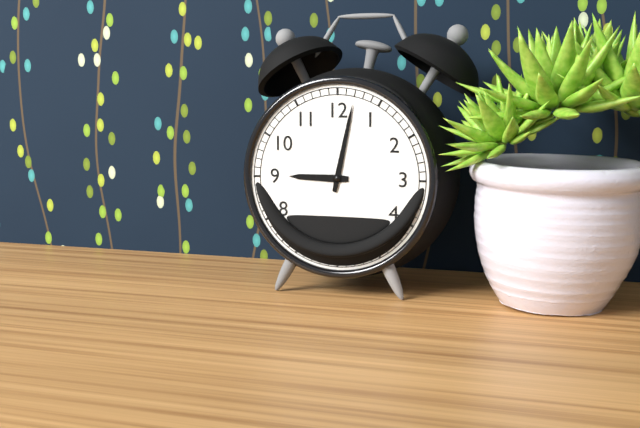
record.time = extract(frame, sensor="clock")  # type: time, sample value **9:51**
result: **9:02**
